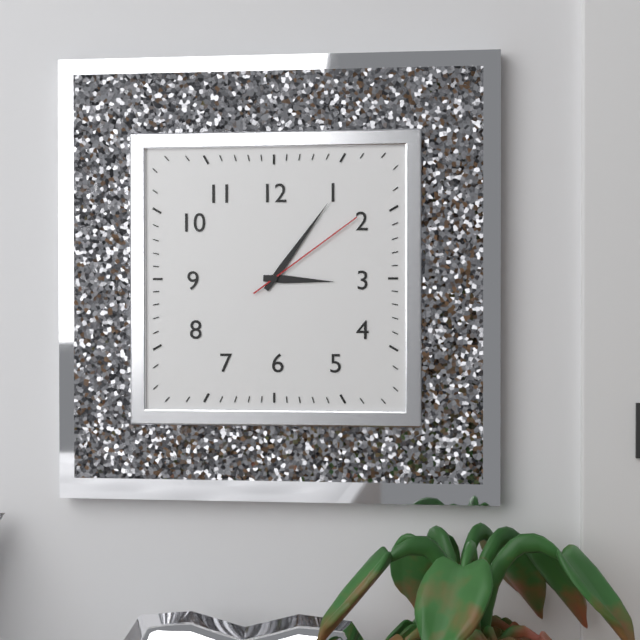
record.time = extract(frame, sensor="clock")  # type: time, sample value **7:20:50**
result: **3:06:09**
